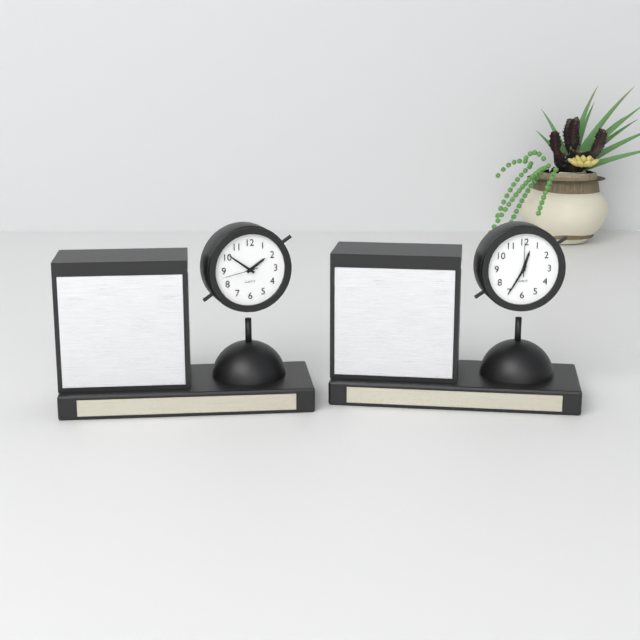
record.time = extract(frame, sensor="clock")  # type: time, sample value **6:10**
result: **1:51**
